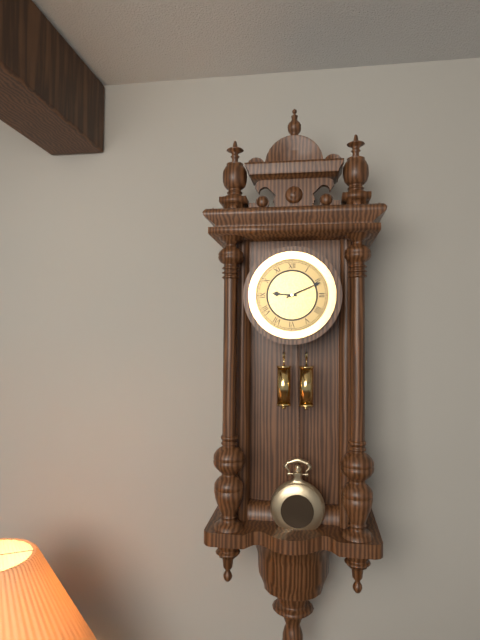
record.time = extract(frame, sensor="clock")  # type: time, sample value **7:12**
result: **9:11**
